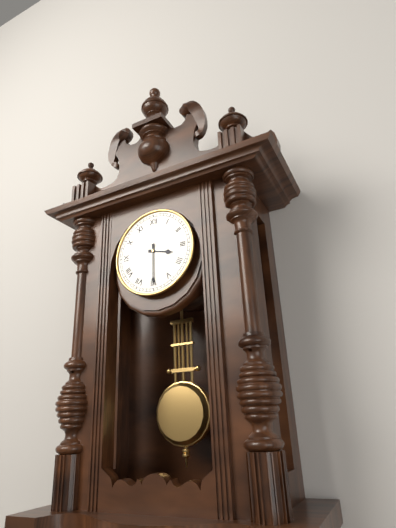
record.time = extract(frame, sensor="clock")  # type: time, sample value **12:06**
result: **3:30**
